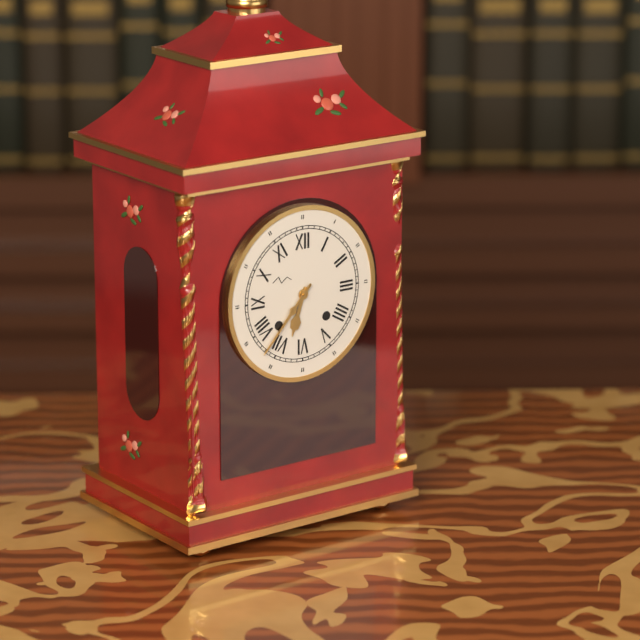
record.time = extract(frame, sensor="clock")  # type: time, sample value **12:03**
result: **6:37**
